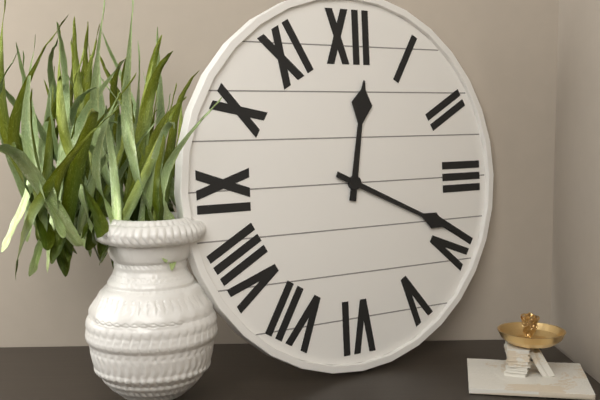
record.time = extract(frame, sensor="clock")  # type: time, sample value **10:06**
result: **12:19**
